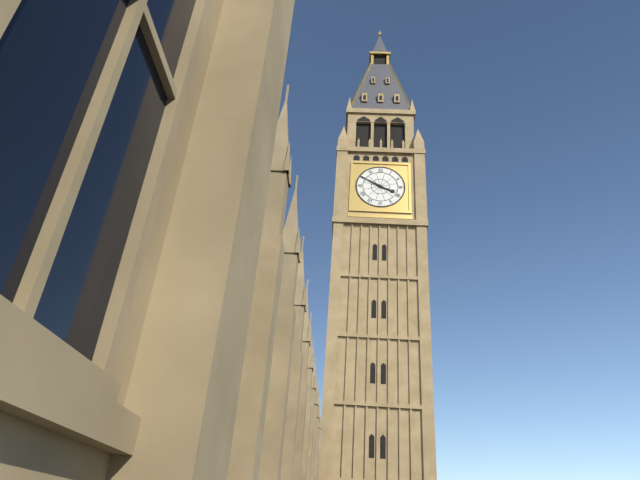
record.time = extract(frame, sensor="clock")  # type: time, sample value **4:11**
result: **3:50**
